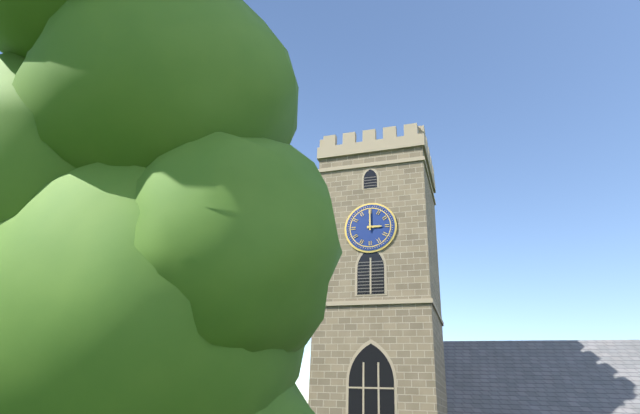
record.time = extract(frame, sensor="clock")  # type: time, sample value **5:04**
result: **3:00**
